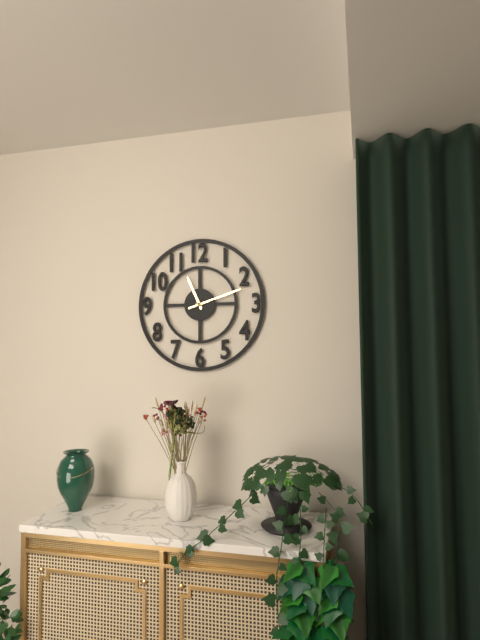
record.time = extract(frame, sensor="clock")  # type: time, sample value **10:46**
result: **11:12**
